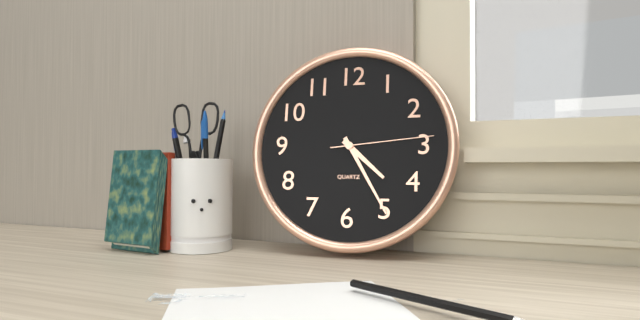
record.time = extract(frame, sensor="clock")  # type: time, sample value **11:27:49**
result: **4:25:14**
